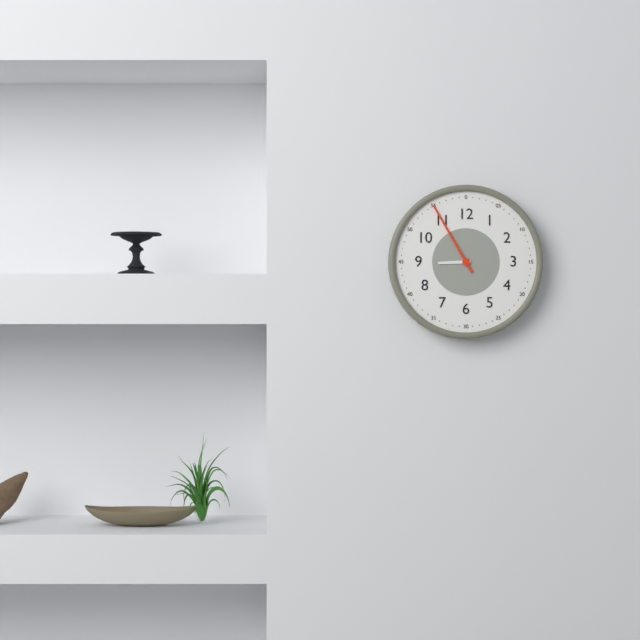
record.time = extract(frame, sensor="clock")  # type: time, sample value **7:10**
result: **8:55**
